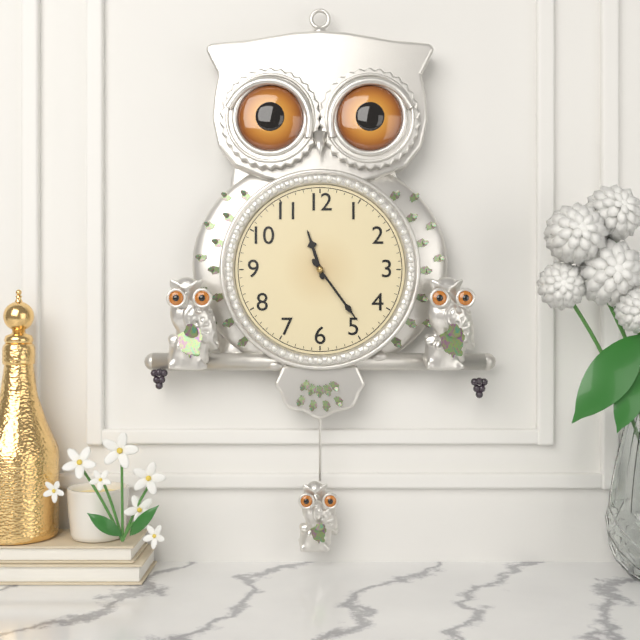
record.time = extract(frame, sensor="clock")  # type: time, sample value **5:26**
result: **11:24**
